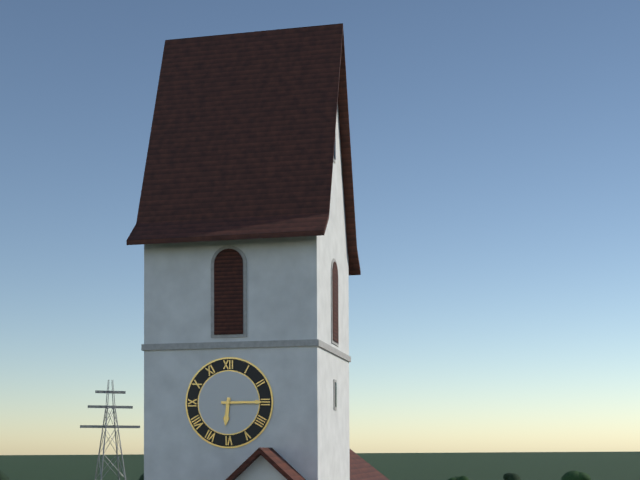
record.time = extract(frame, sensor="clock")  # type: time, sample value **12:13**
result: **6:15**
